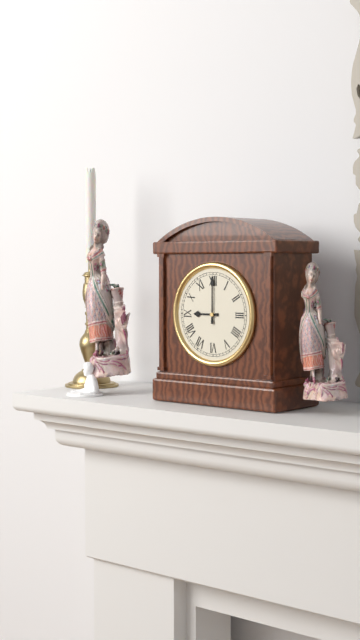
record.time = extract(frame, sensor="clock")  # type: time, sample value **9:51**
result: **9:00**
